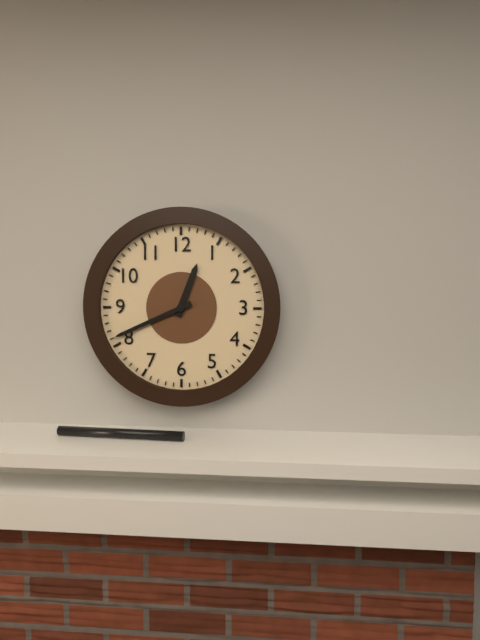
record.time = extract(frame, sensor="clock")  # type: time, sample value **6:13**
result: **12:41**
